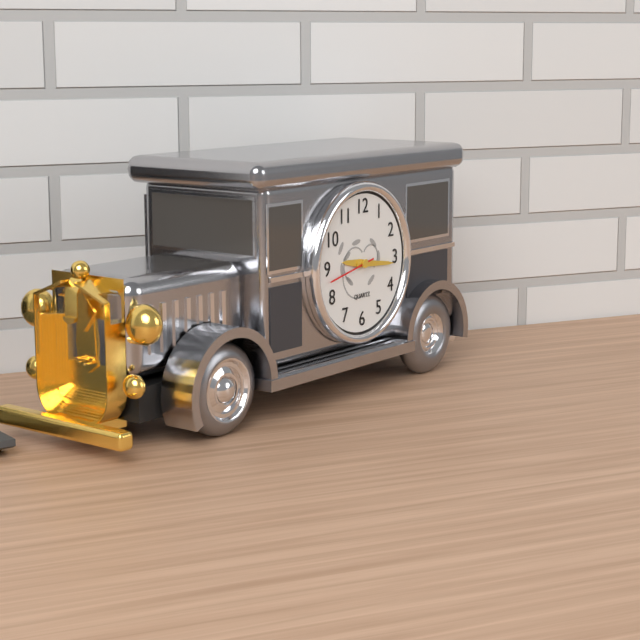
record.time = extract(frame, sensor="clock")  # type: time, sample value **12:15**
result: **9:16**
